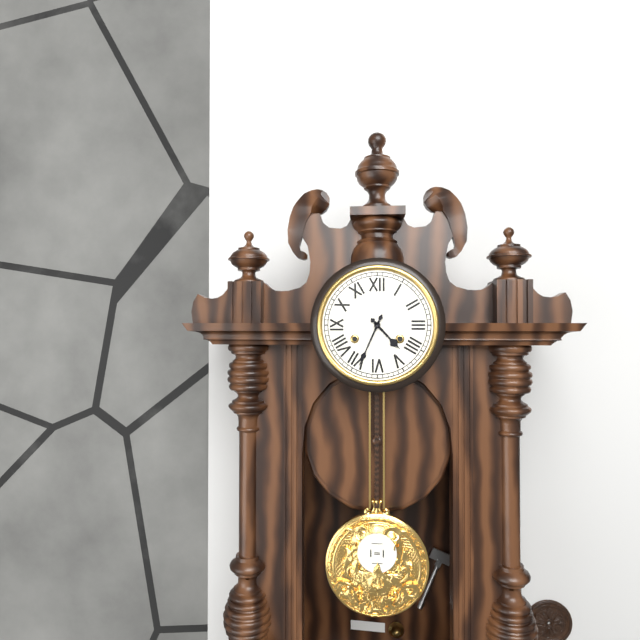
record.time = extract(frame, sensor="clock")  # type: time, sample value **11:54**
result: **4:34**
